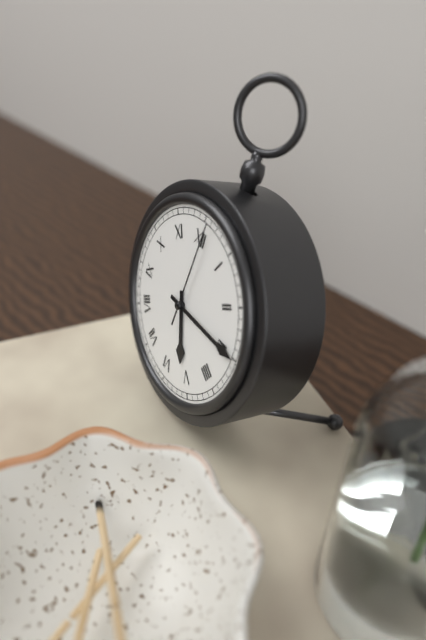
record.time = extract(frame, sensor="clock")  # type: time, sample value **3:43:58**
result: **5:15:01**
